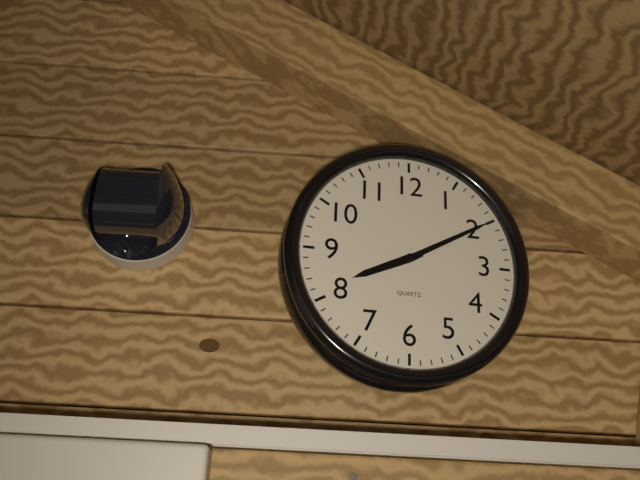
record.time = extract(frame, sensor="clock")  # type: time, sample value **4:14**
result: **8:10**
